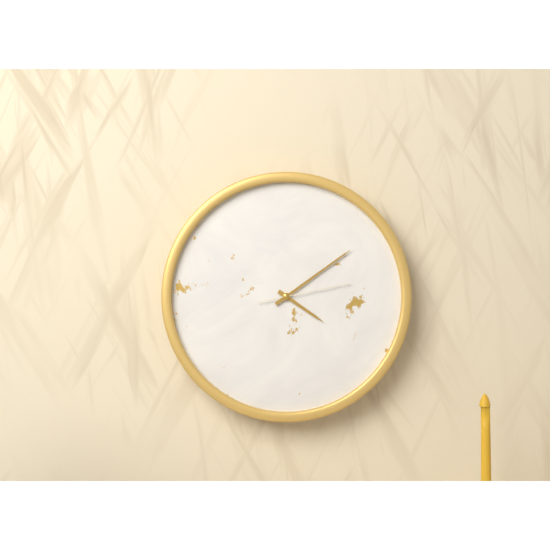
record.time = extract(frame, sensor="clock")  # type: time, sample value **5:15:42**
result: **4:09:13**
